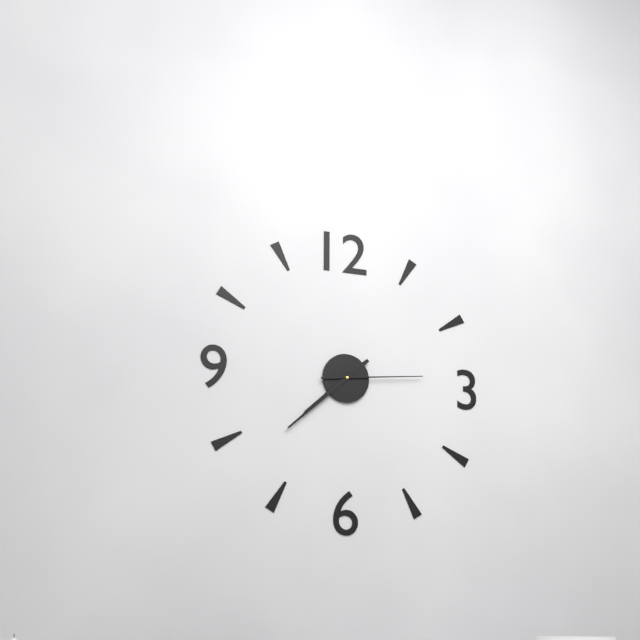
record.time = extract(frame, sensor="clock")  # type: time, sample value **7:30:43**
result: **7:38:14**
